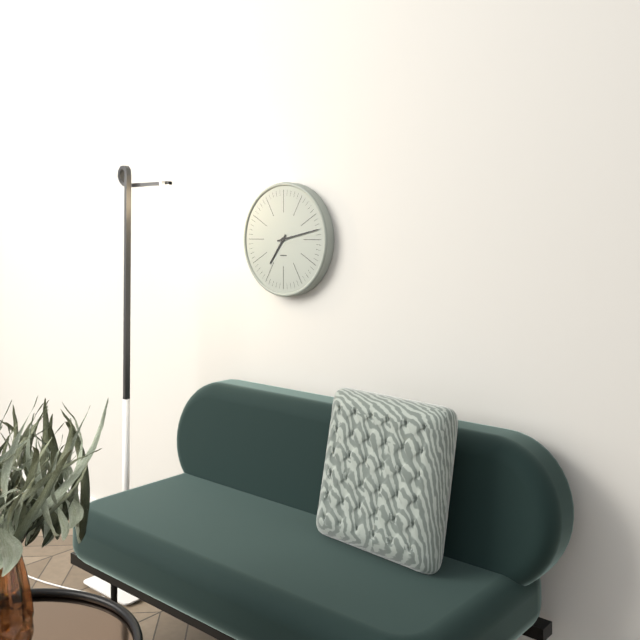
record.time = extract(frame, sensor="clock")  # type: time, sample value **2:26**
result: **7:13**
